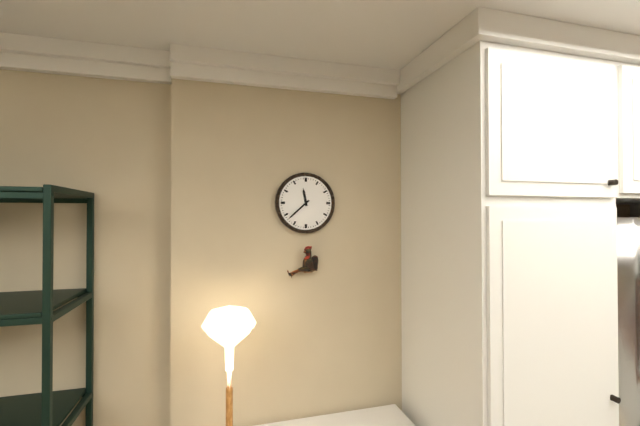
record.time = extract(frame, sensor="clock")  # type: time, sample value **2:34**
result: **11:38**
